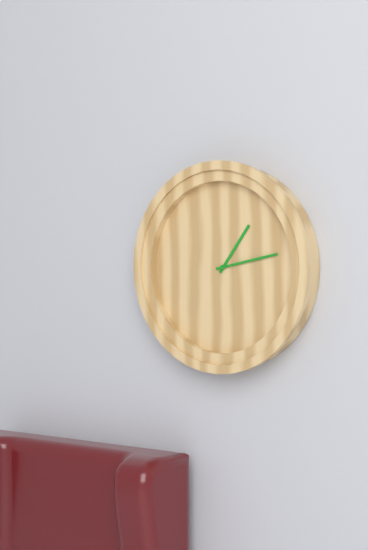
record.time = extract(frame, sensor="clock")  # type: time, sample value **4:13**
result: **1:13**
